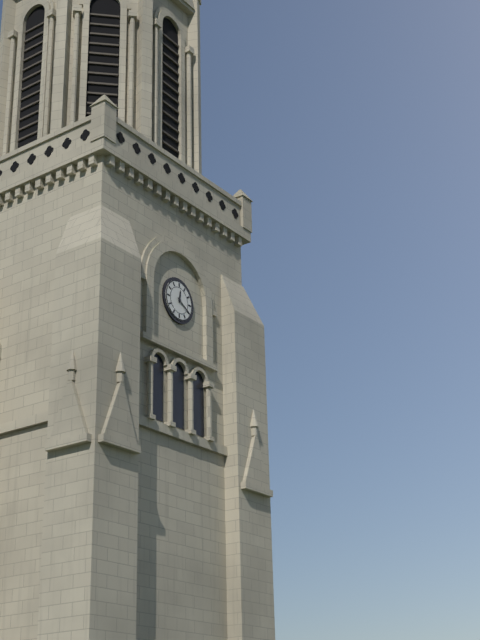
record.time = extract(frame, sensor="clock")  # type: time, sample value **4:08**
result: **12:20**
